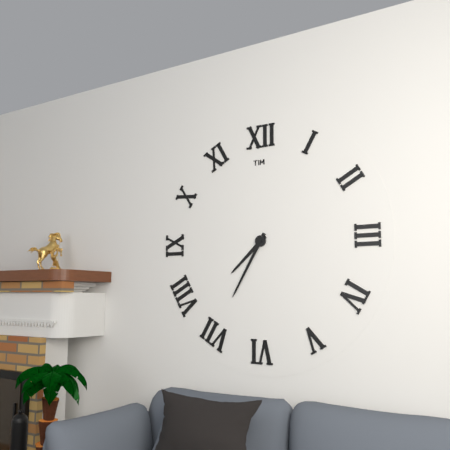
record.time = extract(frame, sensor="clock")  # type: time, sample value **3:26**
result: **7:35**
